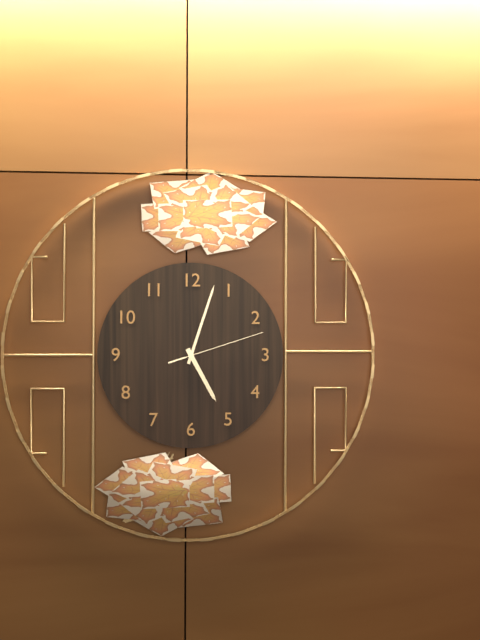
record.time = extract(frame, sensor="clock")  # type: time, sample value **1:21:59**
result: **5:03:12**
